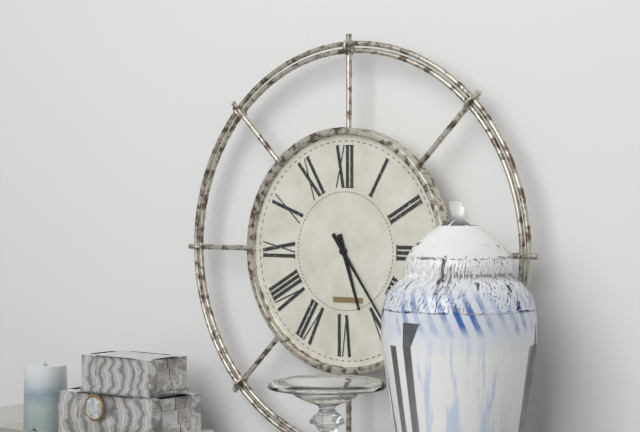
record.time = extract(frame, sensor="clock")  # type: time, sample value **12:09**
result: **5:24**
